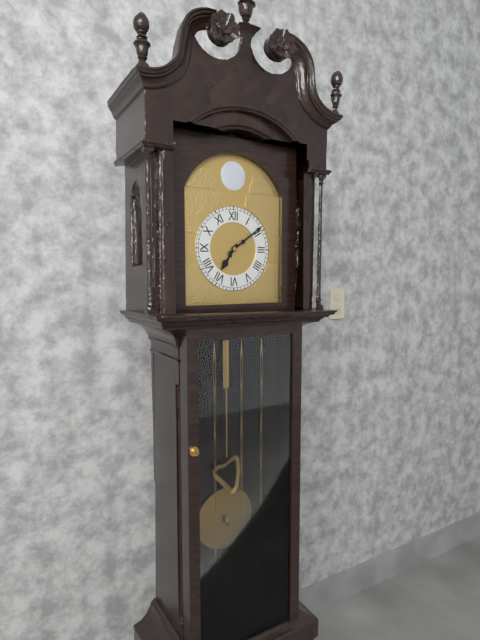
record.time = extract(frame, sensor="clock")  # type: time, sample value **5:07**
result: **7:09**
